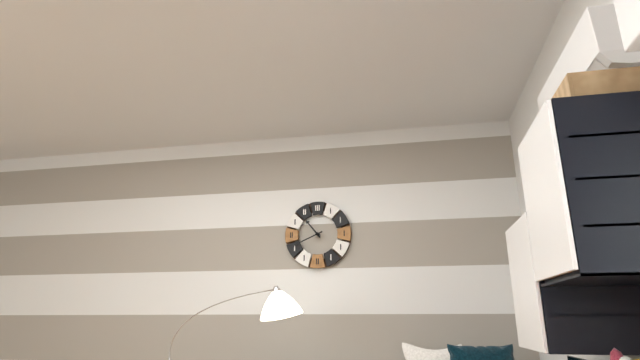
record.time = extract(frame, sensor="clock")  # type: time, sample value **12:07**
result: **10:41**
